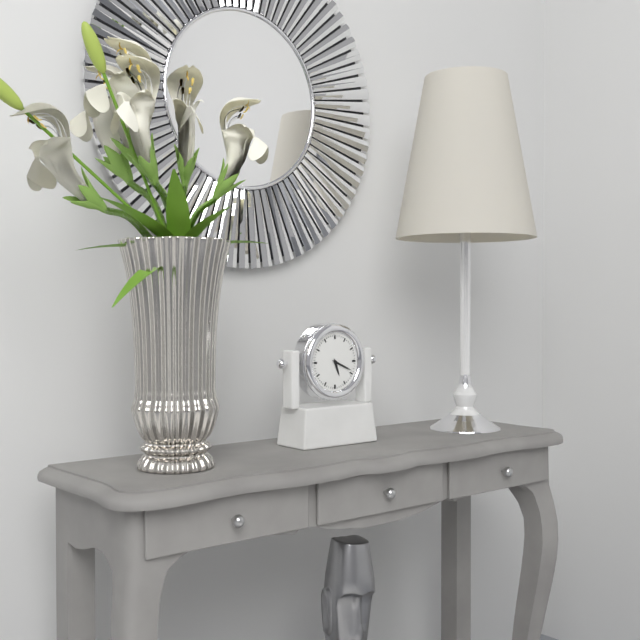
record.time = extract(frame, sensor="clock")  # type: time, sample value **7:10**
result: **5:19**
